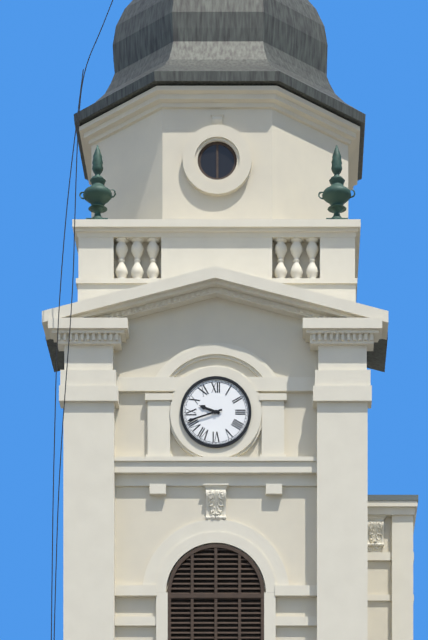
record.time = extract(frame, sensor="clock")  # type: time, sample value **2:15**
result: **9:42**
